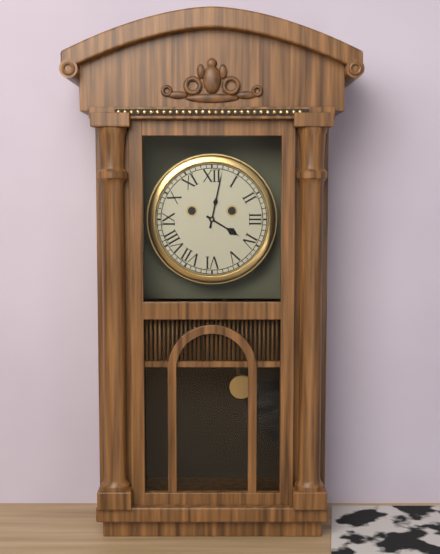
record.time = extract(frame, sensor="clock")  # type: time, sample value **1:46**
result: **4:02**
